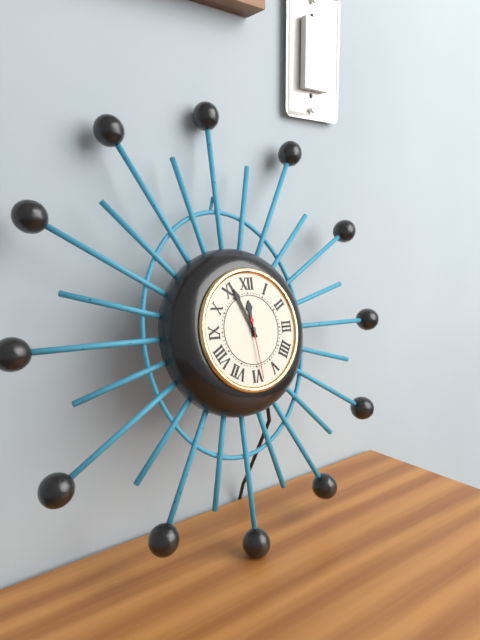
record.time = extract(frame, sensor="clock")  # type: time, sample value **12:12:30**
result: **11:56:29**
